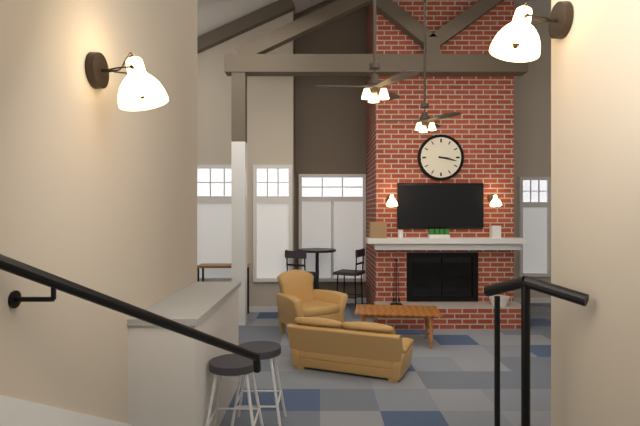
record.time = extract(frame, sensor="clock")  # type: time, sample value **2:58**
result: **3:17**
